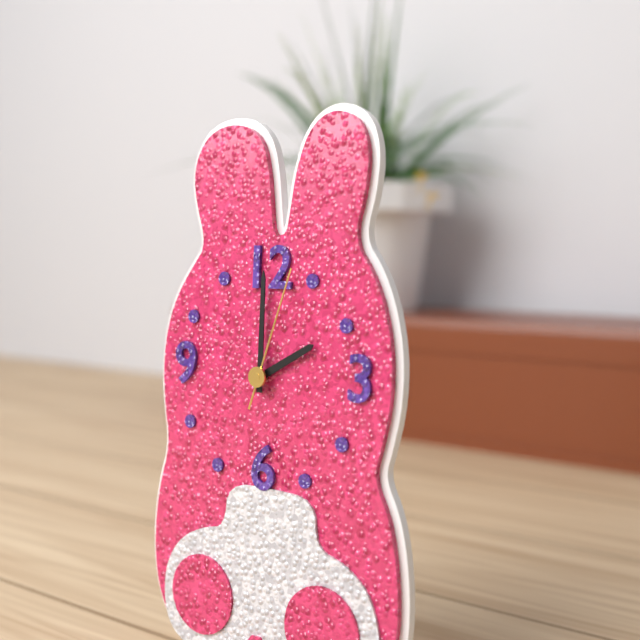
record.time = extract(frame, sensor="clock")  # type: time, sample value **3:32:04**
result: **2:00:03**
